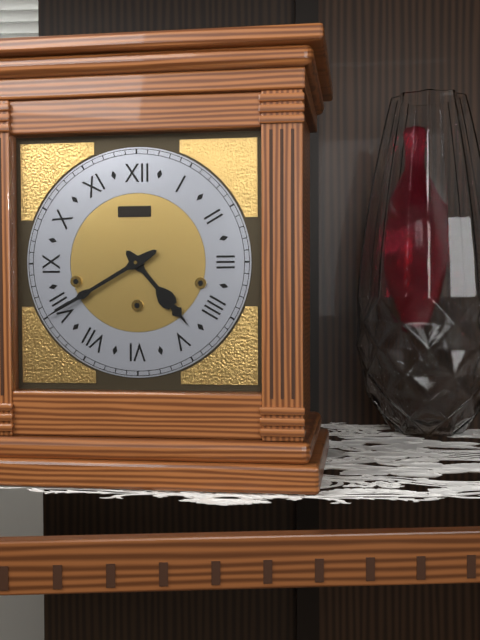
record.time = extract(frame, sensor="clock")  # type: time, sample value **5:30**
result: **4:40**
